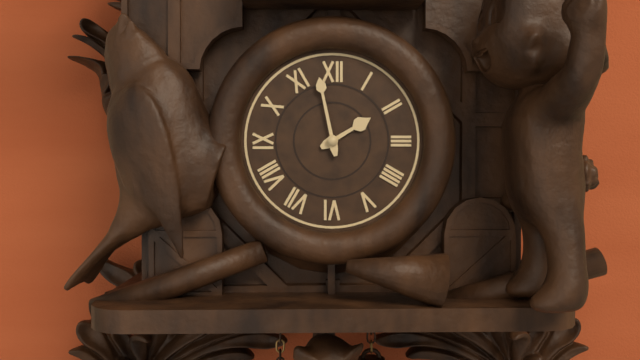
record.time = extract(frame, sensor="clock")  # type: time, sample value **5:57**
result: **1:58**
